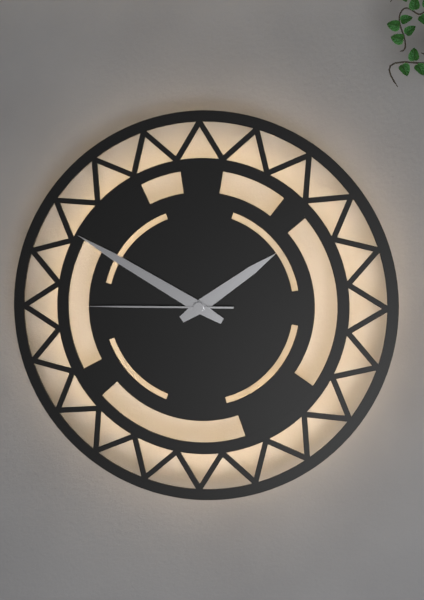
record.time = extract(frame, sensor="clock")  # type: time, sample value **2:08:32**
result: **1:50:45**
